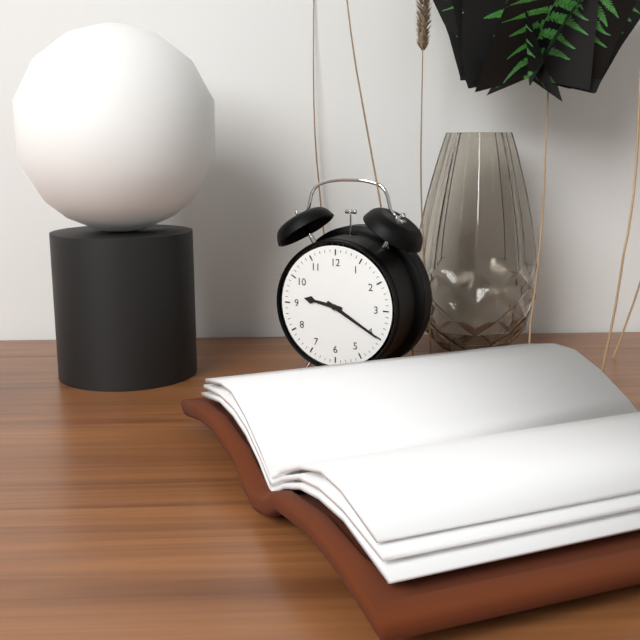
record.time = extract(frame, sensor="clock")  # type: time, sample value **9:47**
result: **9:20**
